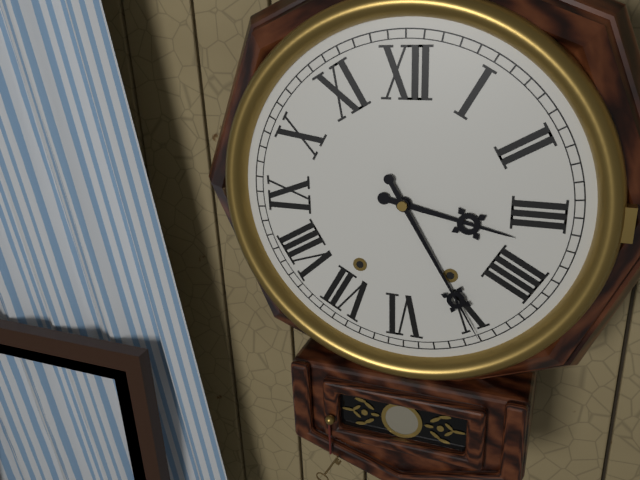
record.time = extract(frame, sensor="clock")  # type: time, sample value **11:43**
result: **3:25**
